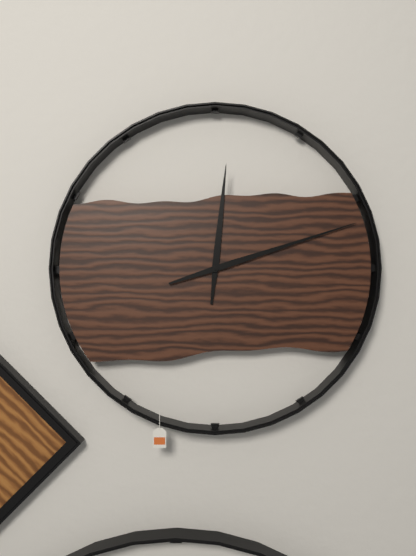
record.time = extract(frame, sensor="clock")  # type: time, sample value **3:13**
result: **12:12**
